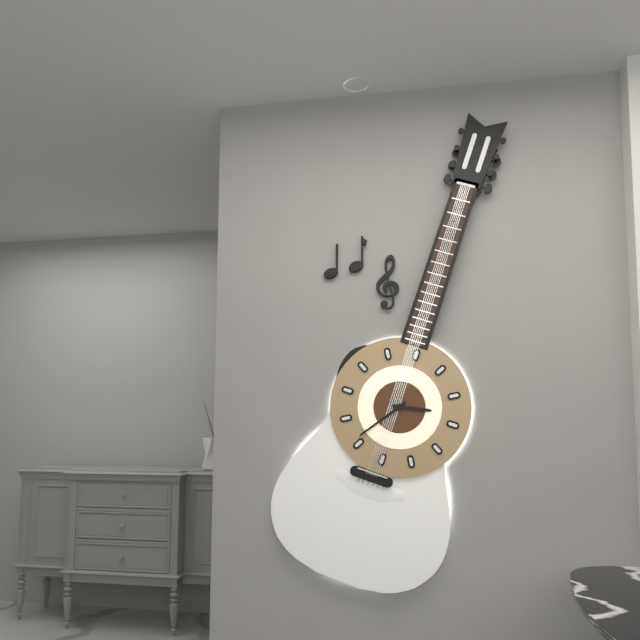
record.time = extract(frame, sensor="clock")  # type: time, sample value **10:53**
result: **2:36**
